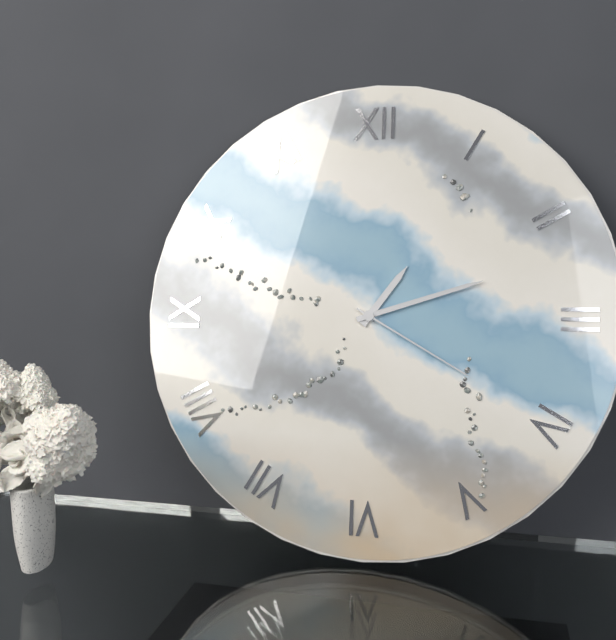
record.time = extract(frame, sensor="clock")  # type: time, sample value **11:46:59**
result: **1:12:20**
